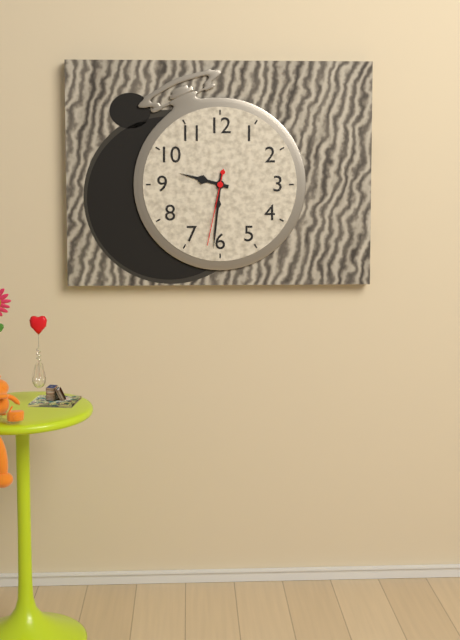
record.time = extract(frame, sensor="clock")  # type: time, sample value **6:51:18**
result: **9:31:32**
